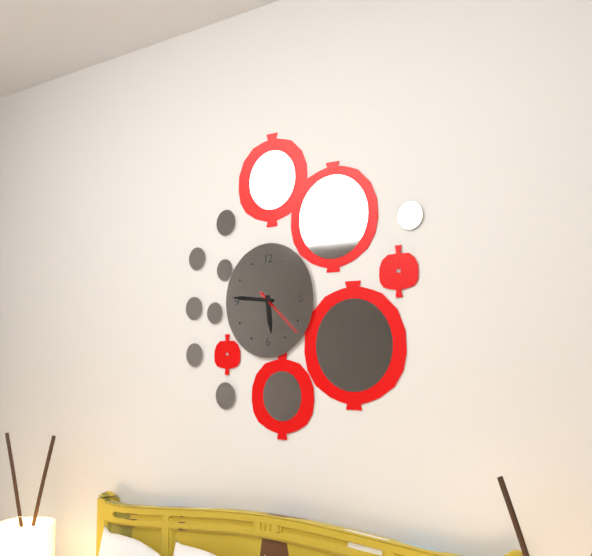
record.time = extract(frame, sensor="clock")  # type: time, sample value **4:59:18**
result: **5:46:22**
